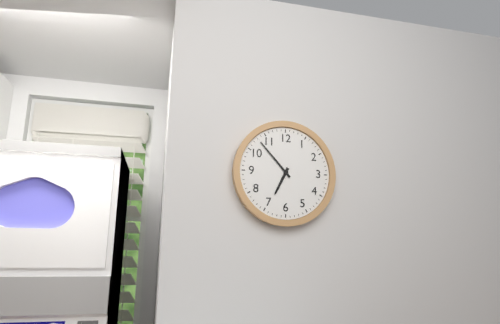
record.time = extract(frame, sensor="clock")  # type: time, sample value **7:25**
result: **6:53**
